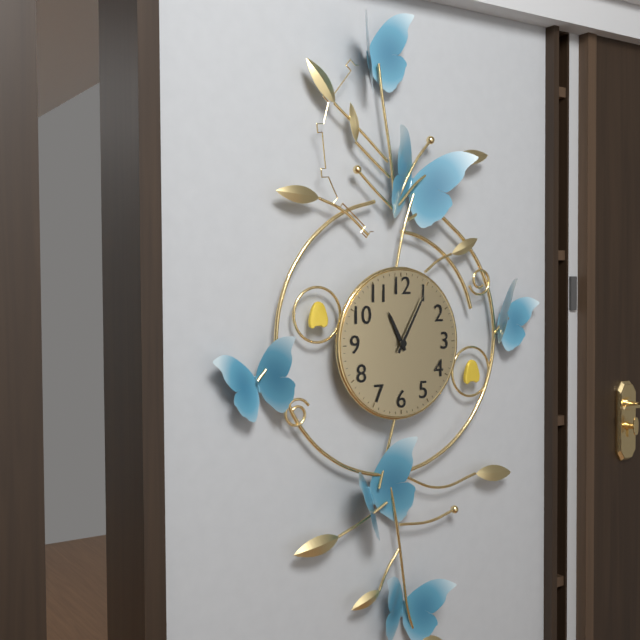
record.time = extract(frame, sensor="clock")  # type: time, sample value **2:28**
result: **11:05**
